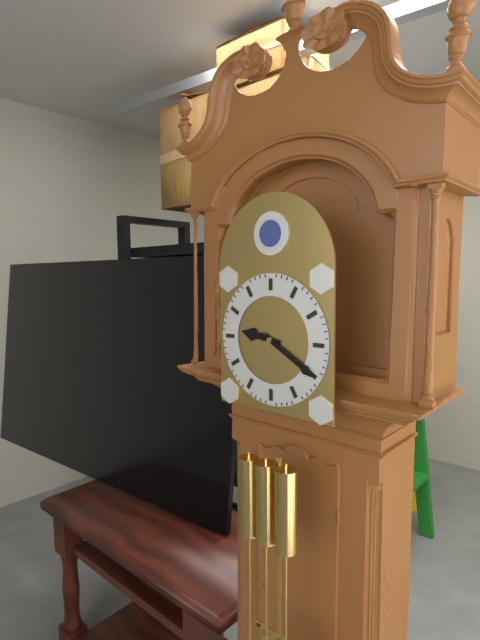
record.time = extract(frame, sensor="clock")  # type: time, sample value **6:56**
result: **9:20**
